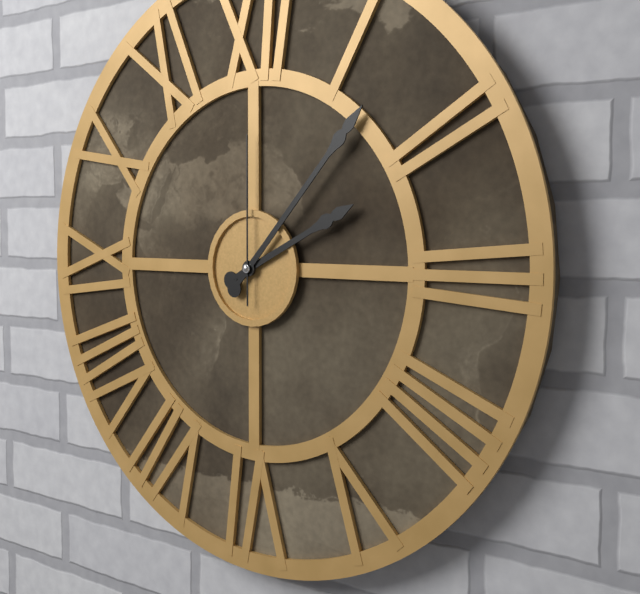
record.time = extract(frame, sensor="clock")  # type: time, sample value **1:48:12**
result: **2:07:00**
